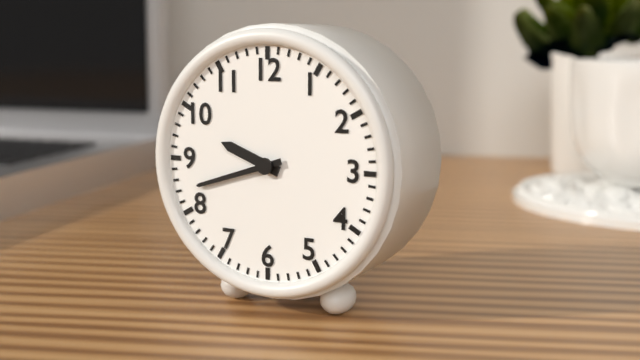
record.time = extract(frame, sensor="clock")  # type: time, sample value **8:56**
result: **9:42**
